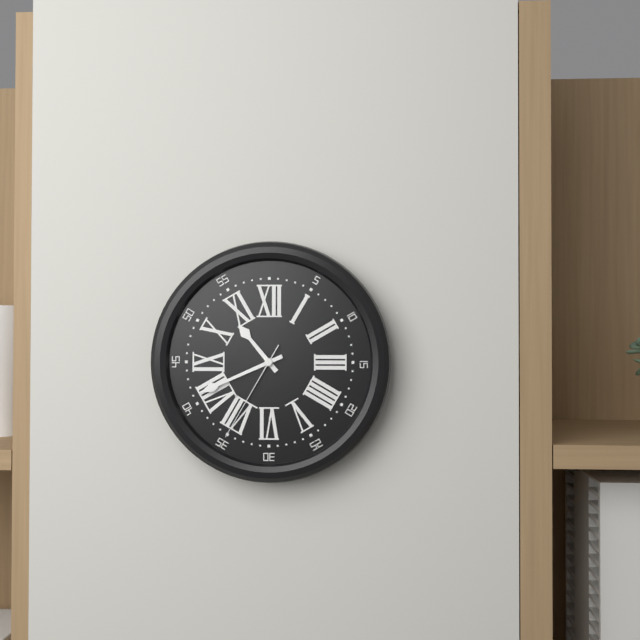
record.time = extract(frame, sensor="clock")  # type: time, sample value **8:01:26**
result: **10:41:35**
